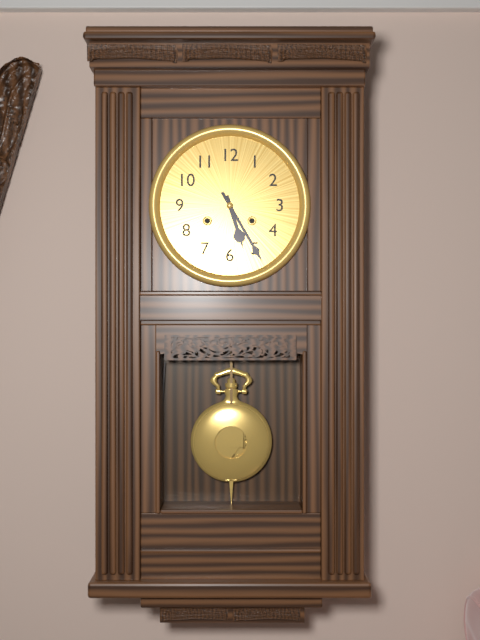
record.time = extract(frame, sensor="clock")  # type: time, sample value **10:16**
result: **5:25**
